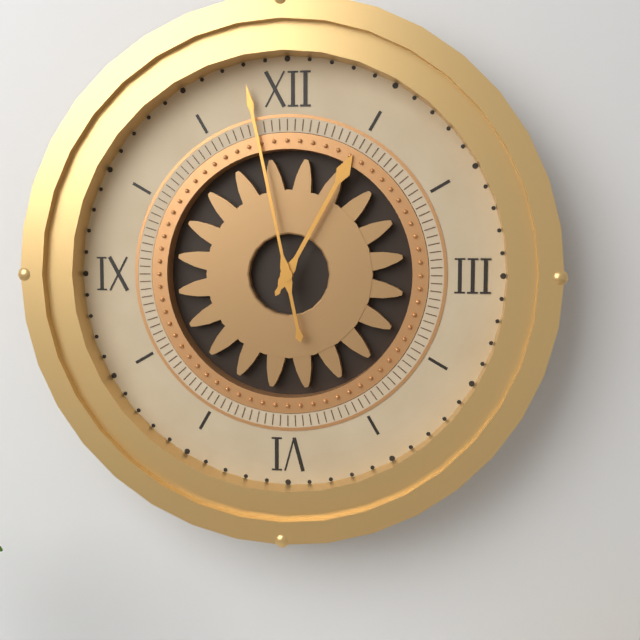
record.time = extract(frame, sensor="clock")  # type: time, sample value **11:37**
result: **12:58**
